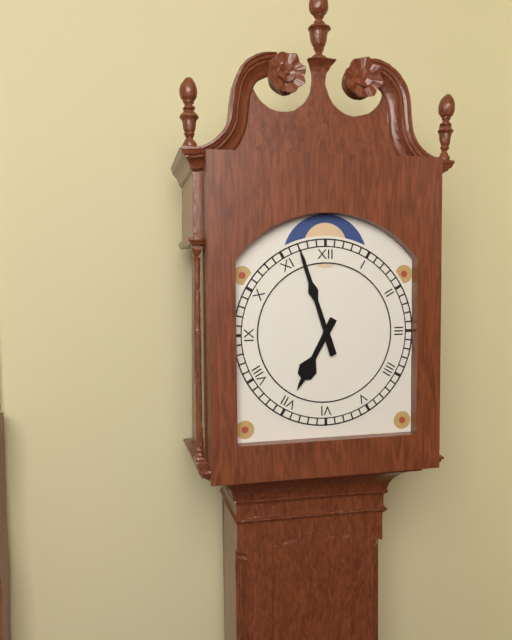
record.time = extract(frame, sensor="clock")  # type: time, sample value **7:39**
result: **6:57**
